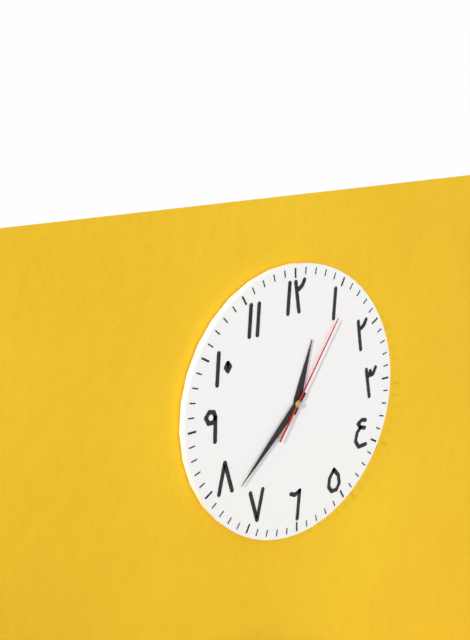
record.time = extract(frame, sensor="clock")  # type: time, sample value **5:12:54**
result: **12:38:06**
